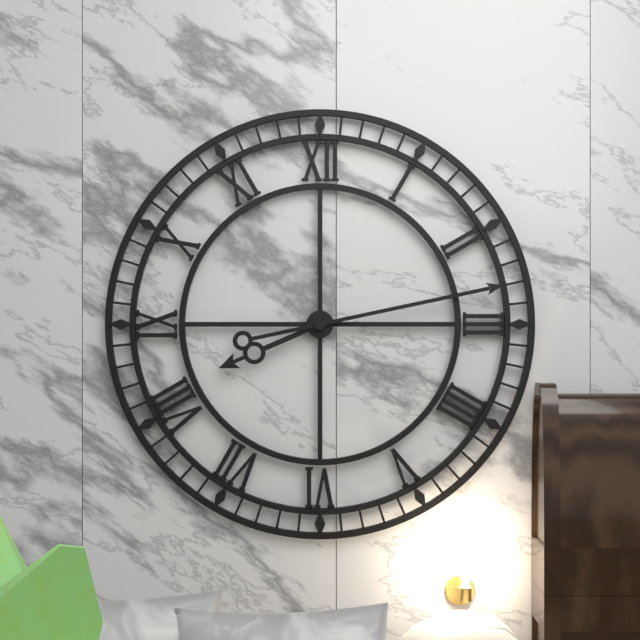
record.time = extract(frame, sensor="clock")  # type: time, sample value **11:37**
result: **8:13**
